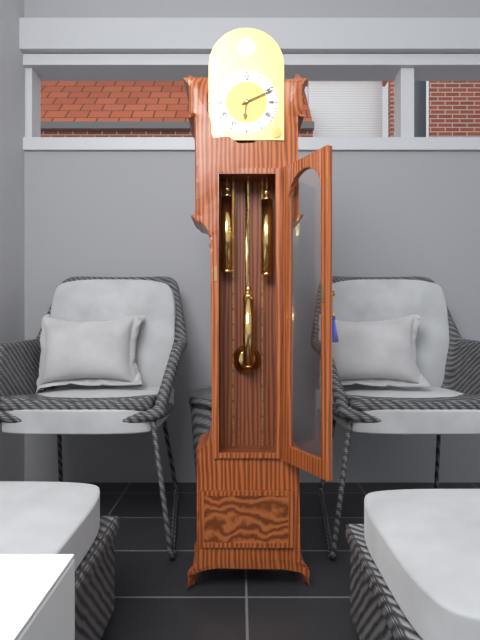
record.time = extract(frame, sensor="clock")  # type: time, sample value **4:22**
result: **6:11**
